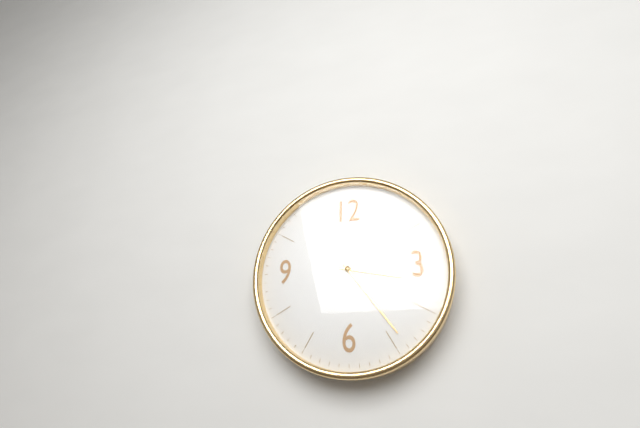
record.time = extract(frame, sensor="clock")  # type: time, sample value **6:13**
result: **3:24**
